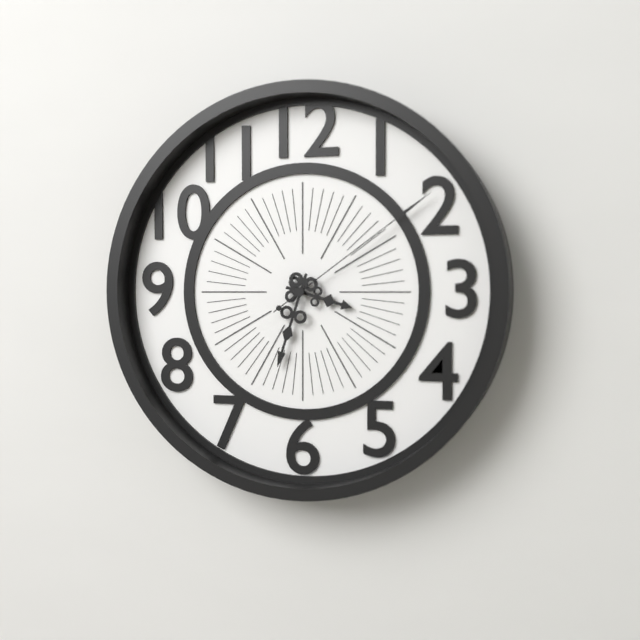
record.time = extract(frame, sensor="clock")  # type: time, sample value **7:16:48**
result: **3:33:09**
